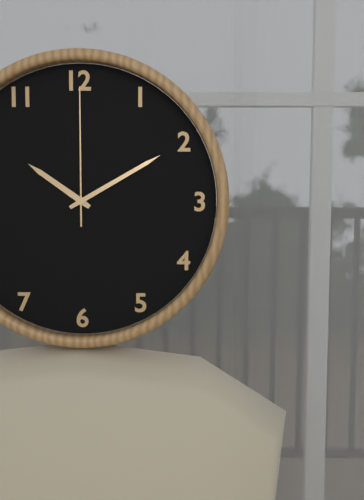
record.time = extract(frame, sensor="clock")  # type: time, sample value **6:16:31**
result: **10:10:00**
